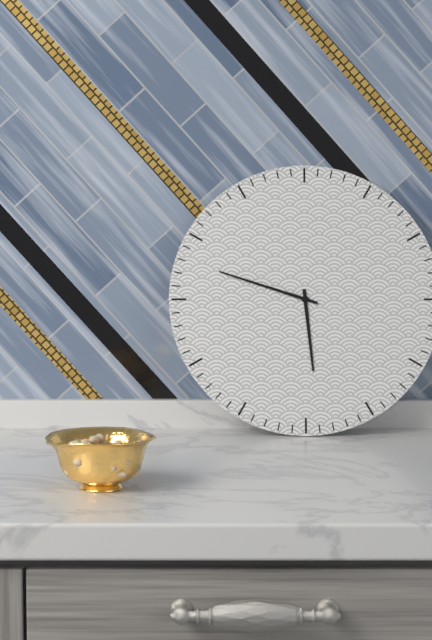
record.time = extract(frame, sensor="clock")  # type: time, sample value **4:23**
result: **5:48**
